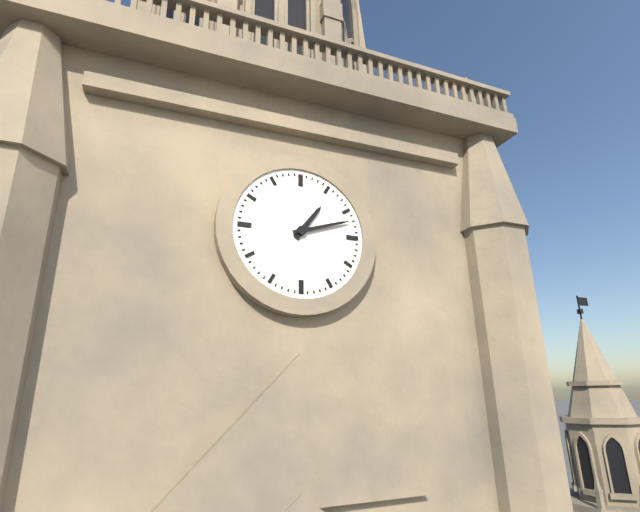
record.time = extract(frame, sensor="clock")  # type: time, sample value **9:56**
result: **1:12**
